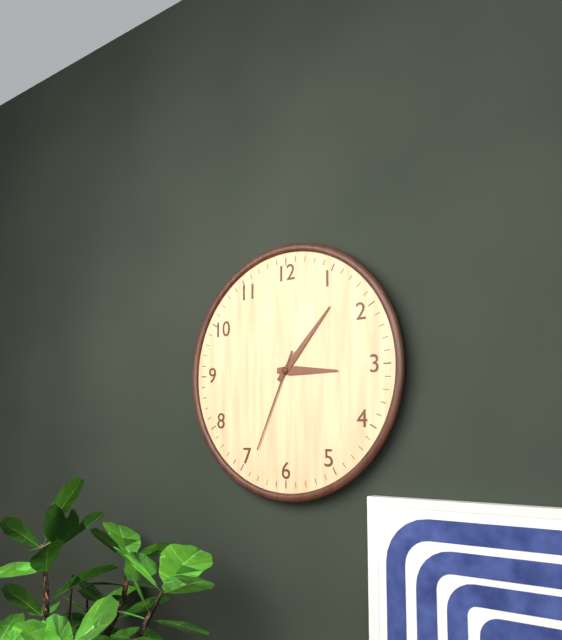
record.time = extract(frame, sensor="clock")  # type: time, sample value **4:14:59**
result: **3:07:34**
